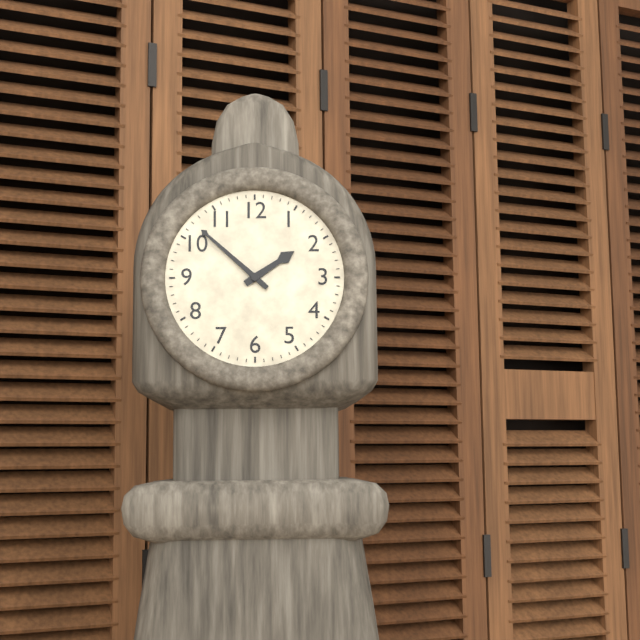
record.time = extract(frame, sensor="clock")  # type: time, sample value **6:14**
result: **1:52**
